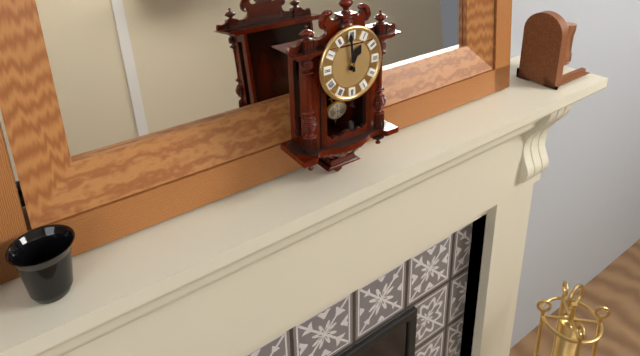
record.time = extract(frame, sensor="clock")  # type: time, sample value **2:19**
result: **12:59**
